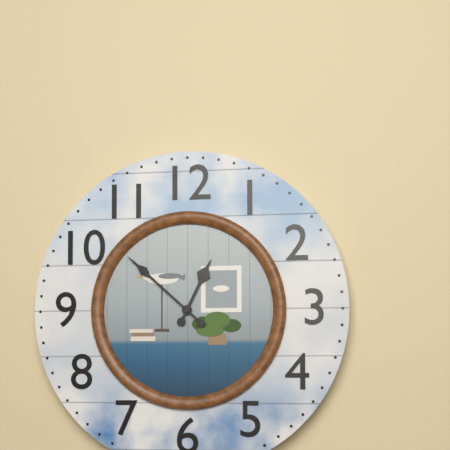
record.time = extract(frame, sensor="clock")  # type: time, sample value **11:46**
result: **12:52**
